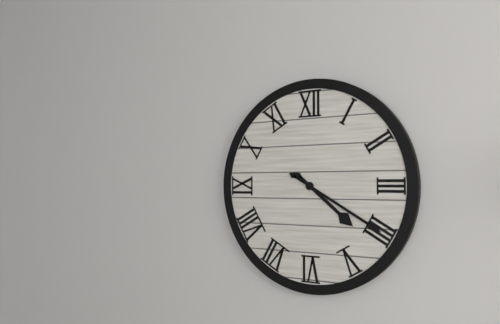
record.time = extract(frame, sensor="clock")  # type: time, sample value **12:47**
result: **4:20**
